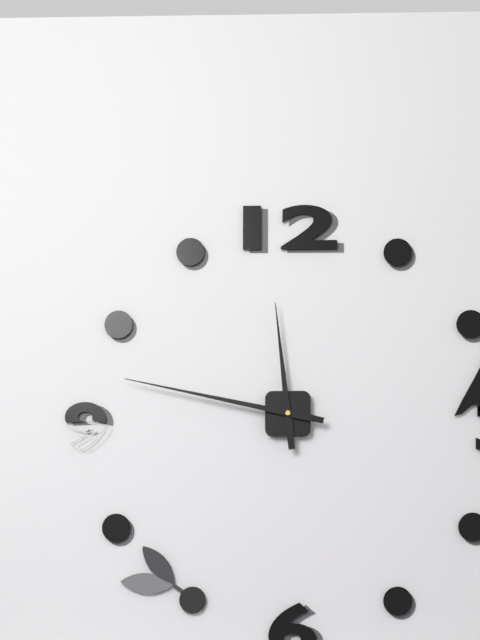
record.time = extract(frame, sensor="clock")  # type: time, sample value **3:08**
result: **11:47**
